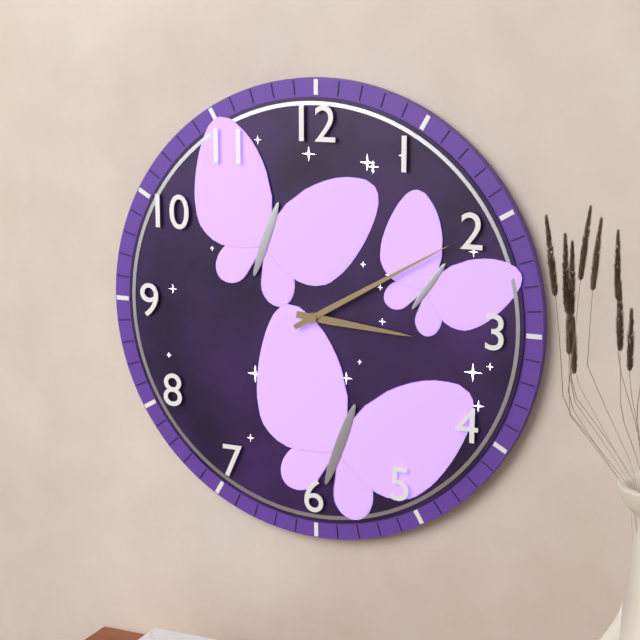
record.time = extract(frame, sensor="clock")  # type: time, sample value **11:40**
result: **3:10**
